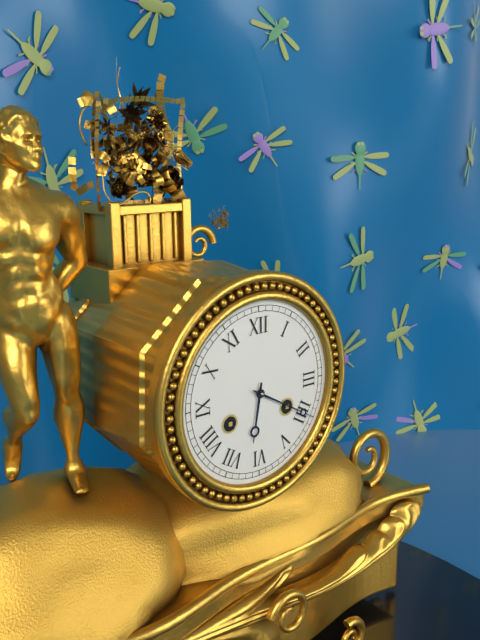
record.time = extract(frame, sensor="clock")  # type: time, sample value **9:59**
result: **6:20**
